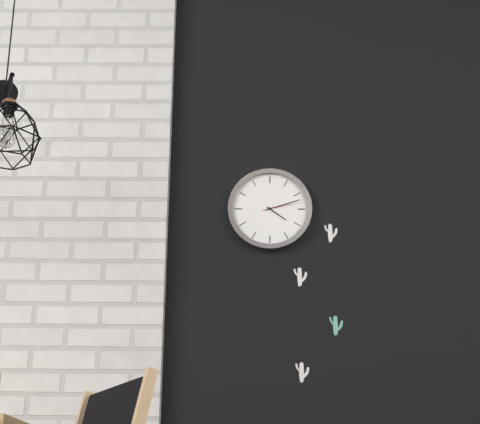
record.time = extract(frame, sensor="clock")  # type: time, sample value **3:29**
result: **4:12**
